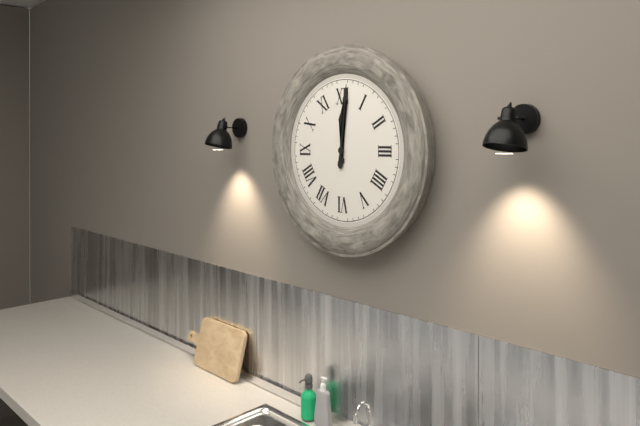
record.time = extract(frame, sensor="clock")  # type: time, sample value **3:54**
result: **12:01**
